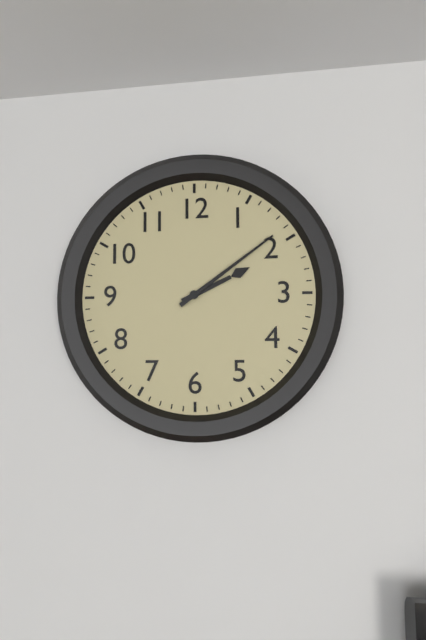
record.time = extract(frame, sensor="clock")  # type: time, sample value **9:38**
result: **2:09**
